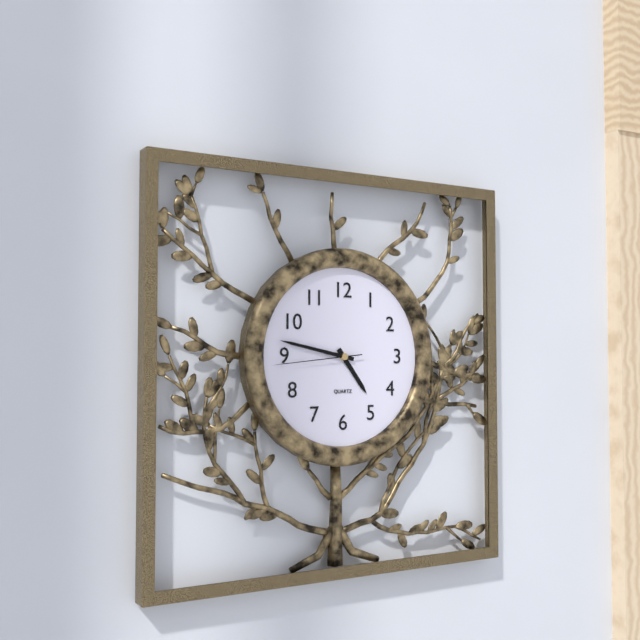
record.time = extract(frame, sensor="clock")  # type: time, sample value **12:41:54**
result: **4:47:44**
